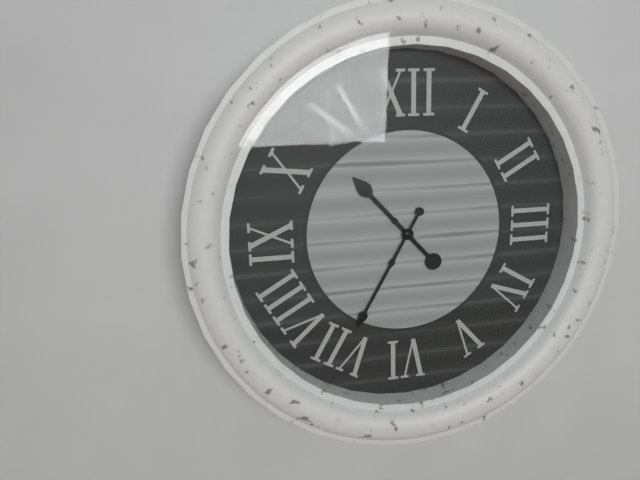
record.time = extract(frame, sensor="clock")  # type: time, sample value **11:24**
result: **10:35**
